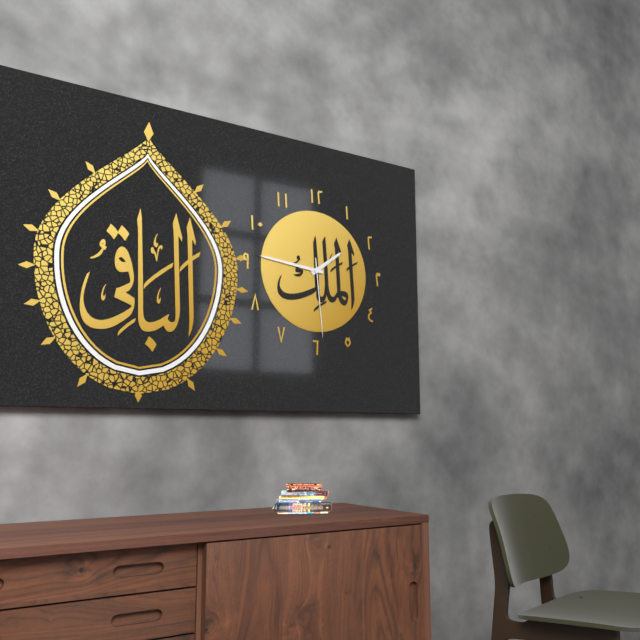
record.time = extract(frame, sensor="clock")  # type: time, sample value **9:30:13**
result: **1:46:29**
